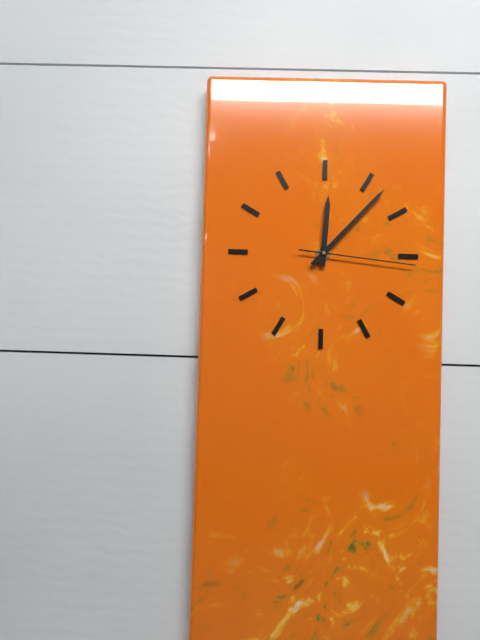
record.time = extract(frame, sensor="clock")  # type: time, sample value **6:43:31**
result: **12:07:16**
